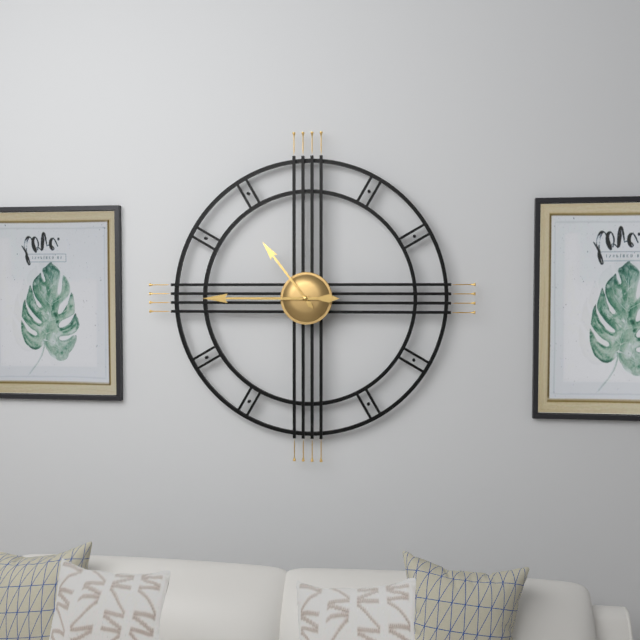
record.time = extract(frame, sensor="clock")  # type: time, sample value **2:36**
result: **10:45**
